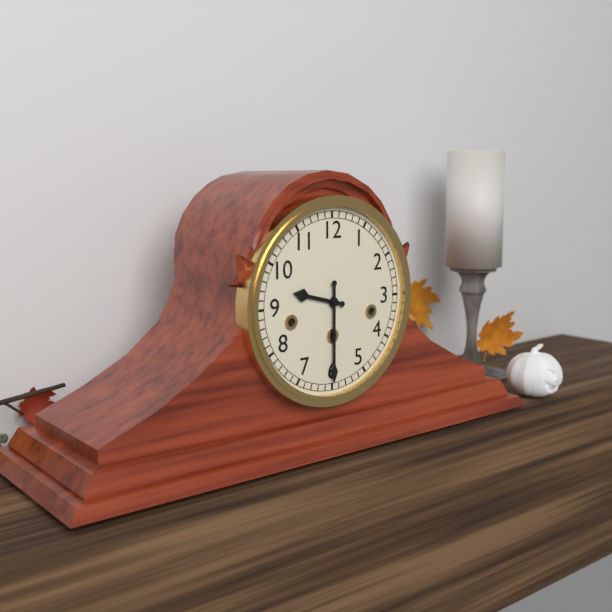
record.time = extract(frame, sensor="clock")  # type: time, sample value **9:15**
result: **9:30**
